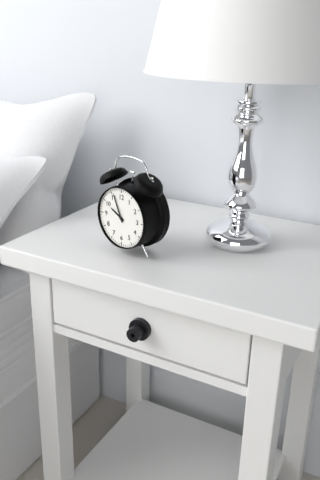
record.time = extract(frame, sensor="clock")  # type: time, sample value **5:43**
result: **9:56**
